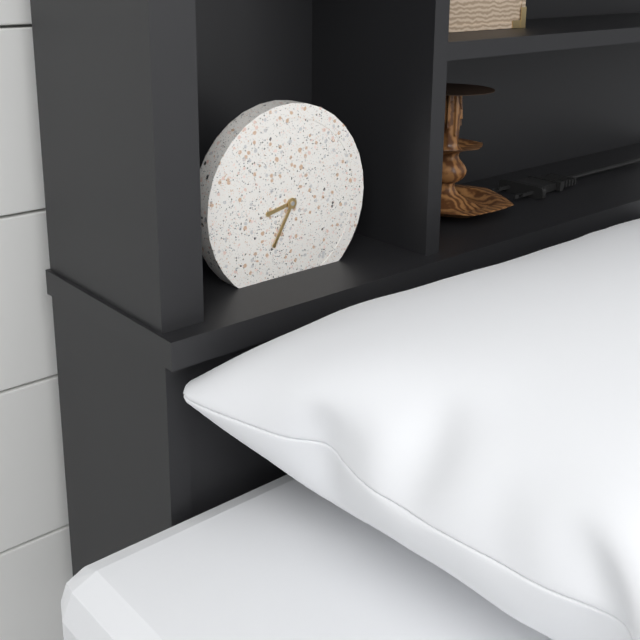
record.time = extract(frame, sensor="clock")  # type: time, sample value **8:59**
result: **8:35**
